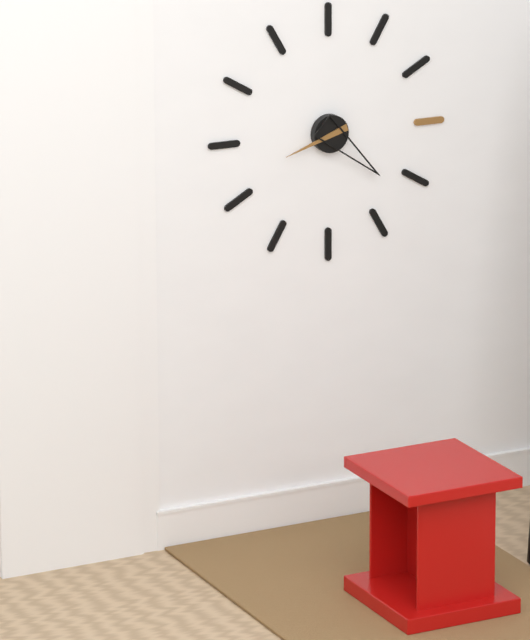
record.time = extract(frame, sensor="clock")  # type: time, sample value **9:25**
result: **8:22**
